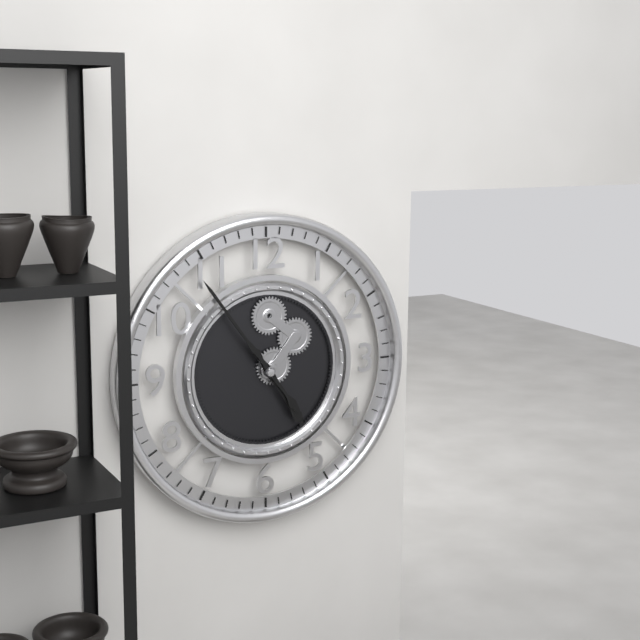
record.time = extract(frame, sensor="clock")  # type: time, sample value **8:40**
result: **4:54**
